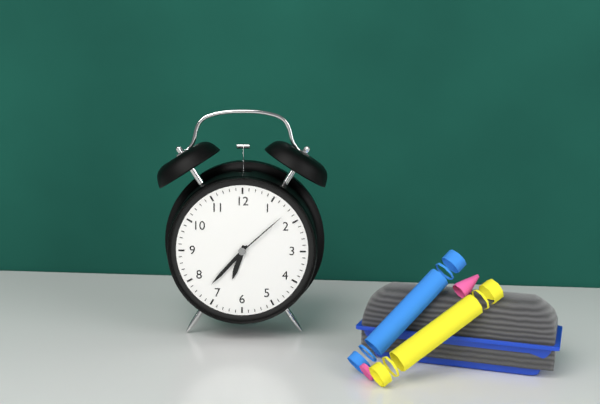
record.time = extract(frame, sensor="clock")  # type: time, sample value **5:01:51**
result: **6:37:08**
